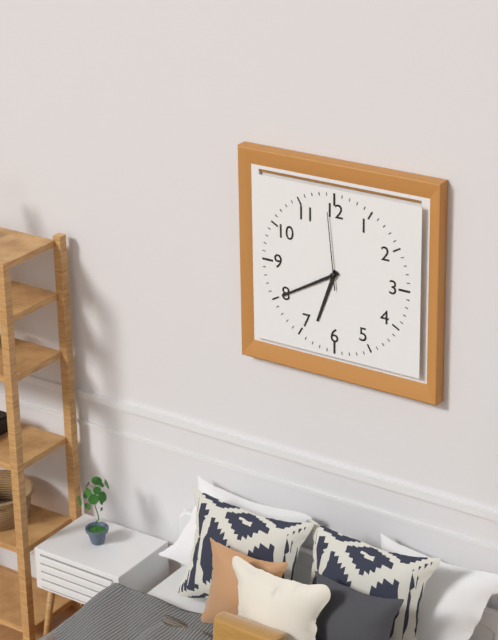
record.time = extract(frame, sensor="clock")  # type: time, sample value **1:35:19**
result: **6:40:59**
